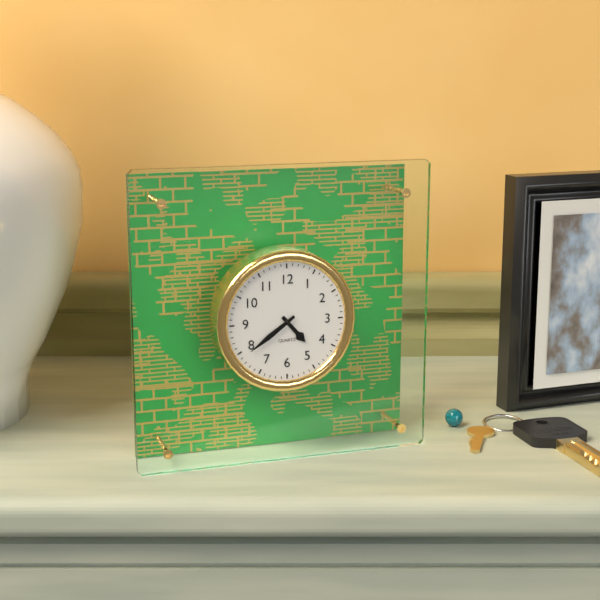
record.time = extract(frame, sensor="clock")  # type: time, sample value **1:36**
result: **4:39**
